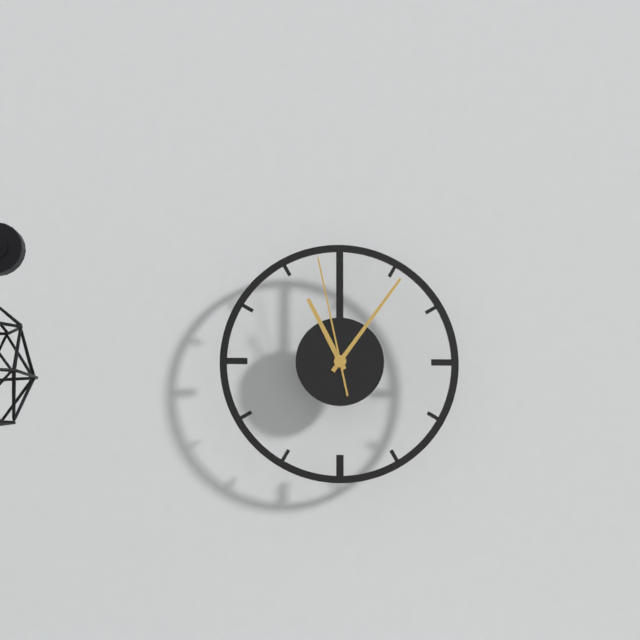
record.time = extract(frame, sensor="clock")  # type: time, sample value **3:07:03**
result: **11:06:58**
